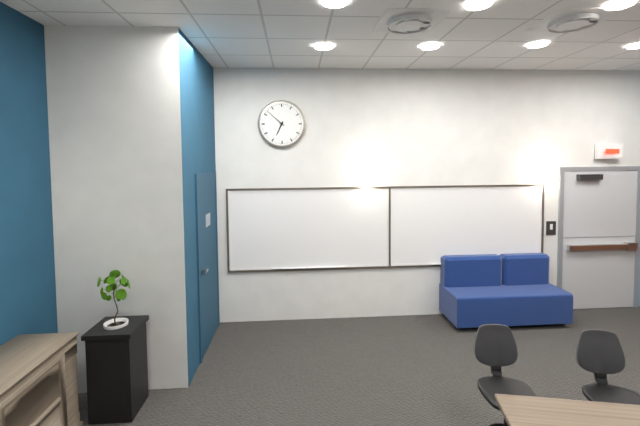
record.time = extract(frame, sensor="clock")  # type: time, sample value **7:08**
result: **6:52**
